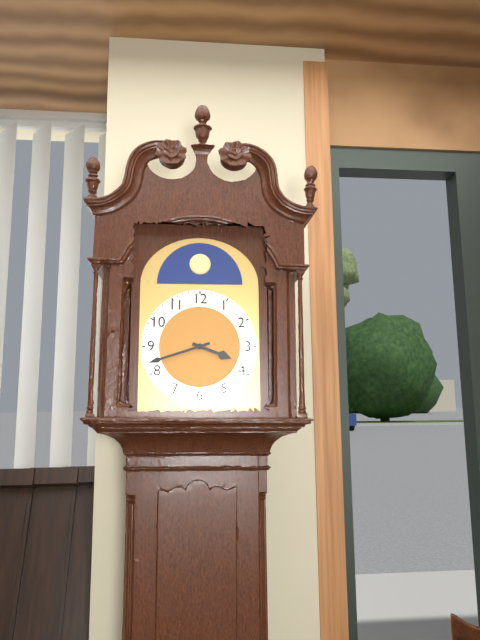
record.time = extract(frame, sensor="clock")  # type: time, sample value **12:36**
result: **3:42**
